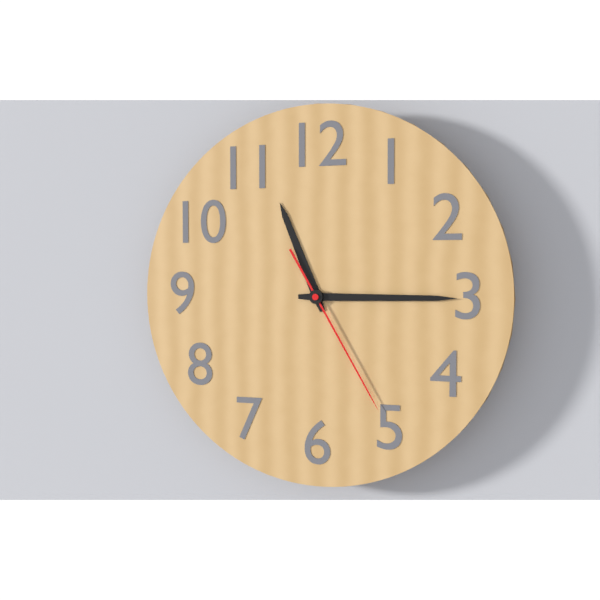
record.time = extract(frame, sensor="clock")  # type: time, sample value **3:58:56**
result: **11:15:25**
